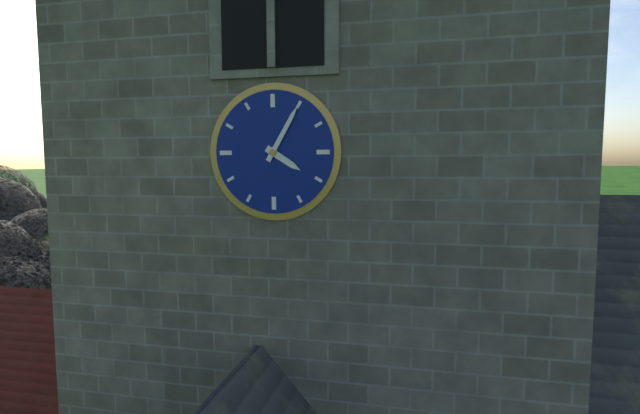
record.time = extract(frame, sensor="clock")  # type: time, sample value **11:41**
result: **4:05**
